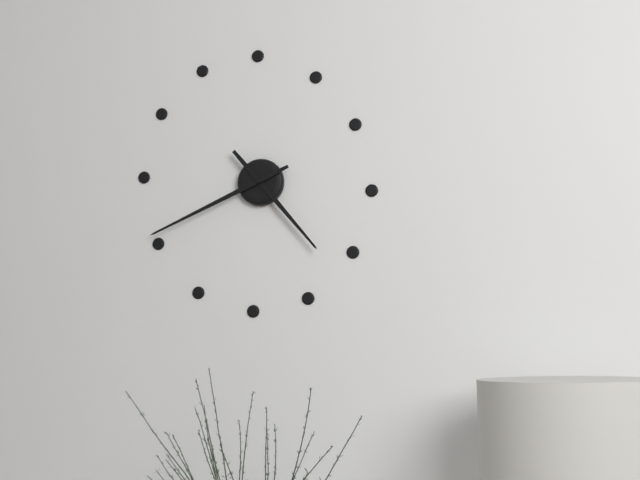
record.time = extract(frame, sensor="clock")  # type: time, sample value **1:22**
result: **4:41**
